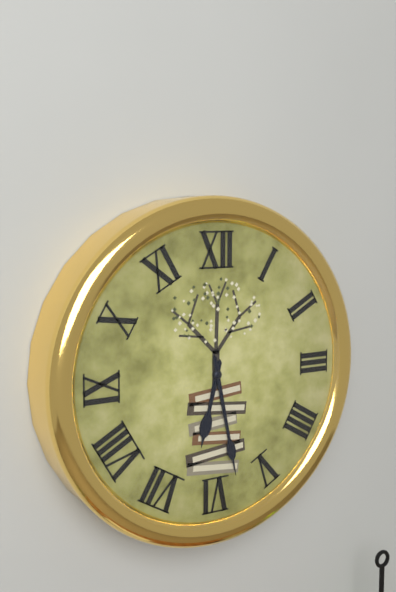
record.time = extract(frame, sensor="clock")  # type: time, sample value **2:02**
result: **6:28**
